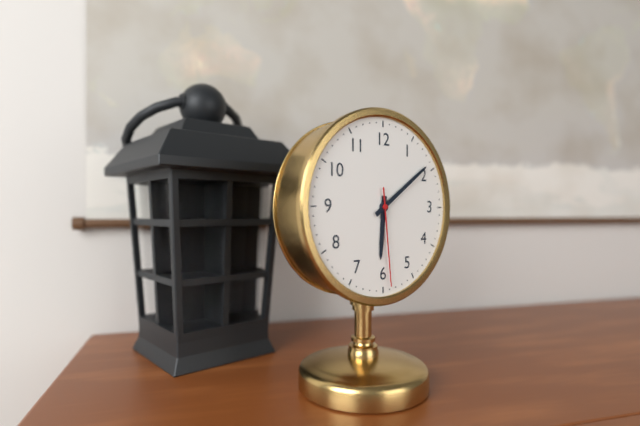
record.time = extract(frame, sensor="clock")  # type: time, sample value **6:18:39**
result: **6:09:29**
